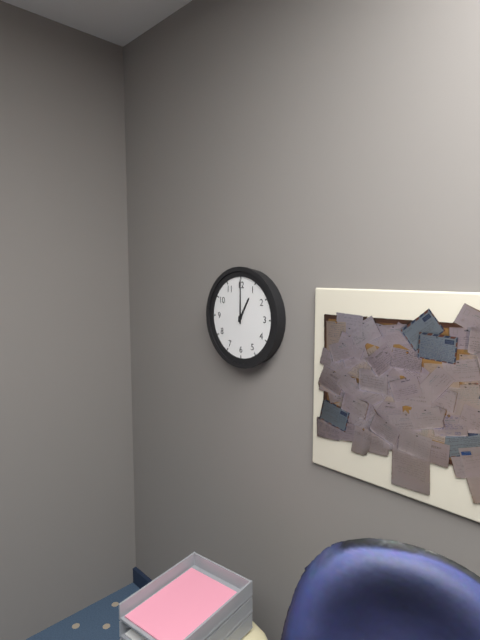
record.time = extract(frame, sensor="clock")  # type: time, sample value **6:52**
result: **1:00**
